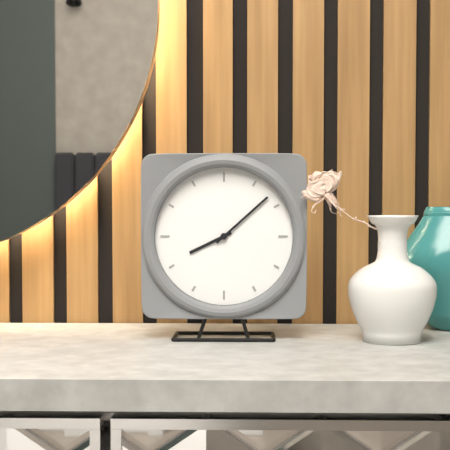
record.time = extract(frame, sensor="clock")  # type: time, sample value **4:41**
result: **8:08**
